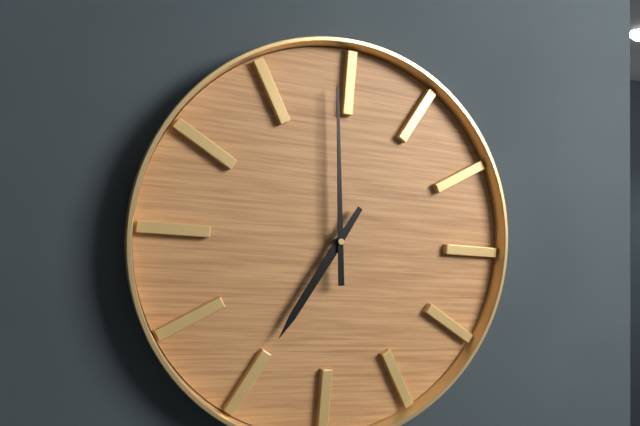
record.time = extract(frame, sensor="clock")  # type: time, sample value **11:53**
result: **6:59**
